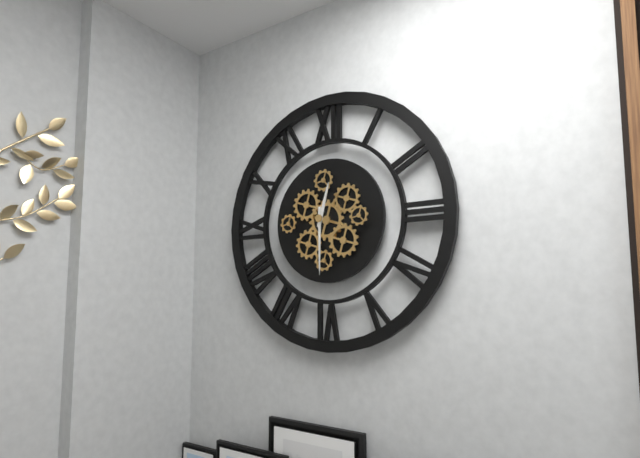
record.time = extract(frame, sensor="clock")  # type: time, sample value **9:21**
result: **12:30**
